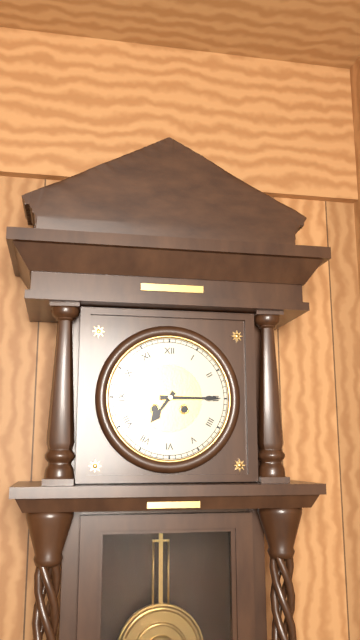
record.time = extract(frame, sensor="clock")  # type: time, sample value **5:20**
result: **7:15**
